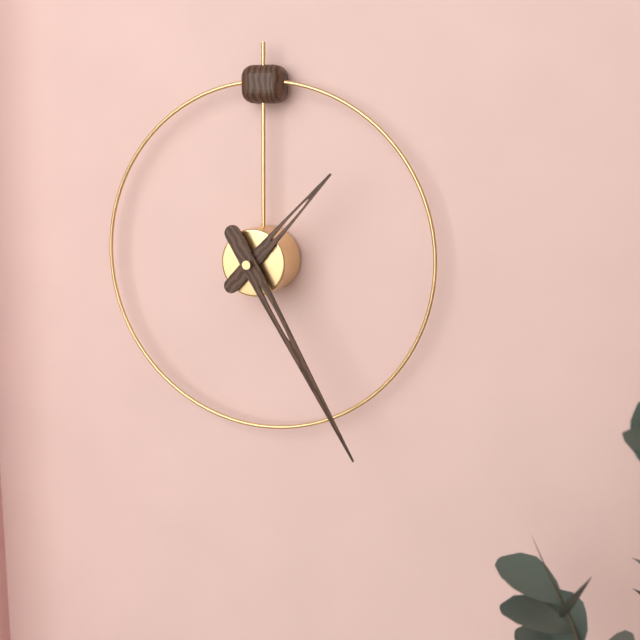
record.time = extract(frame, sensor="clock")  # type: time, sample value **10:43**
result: **1:25**
